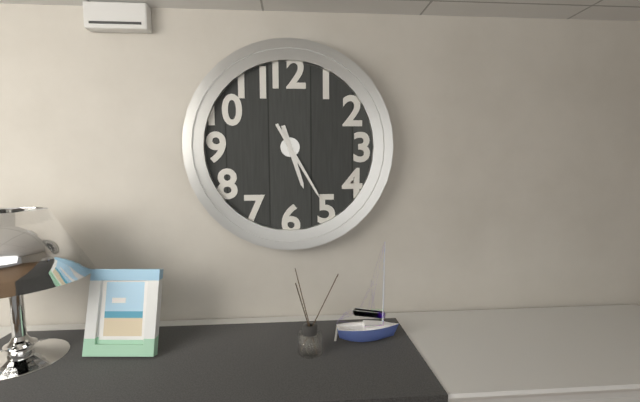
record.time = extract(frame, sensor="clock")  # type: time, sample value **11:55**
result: **5:25**
